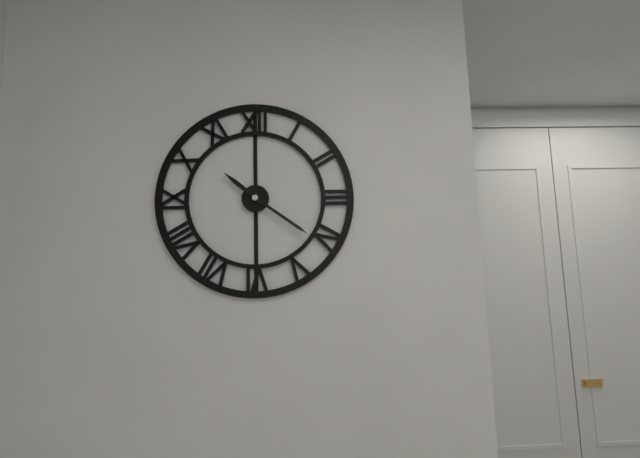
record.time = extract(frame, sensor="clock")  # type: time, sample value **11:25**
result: **10:21**
